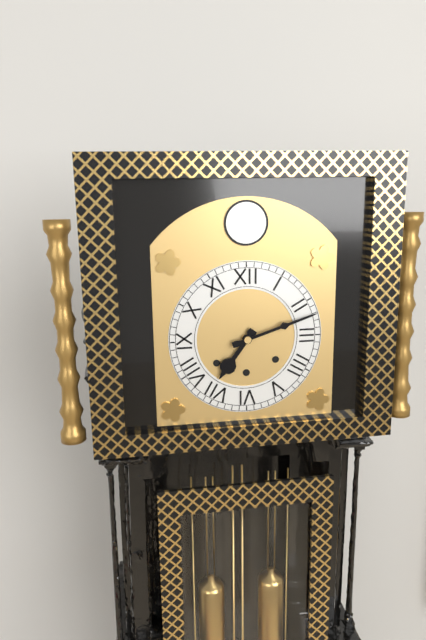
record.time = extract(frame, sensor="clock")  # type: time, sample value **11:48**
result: **7:12**
